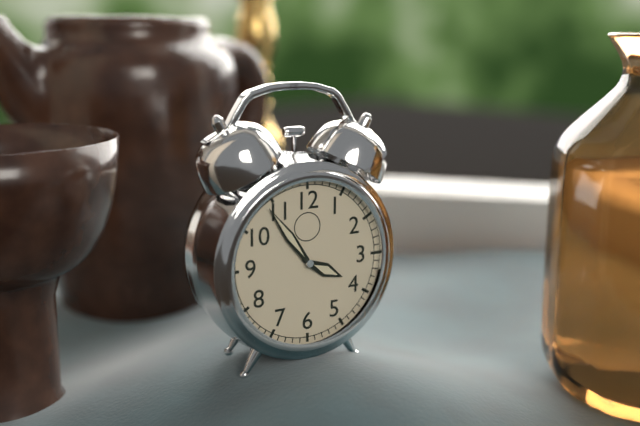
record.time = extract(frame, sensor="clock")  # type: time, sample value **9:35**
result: **3:54**
